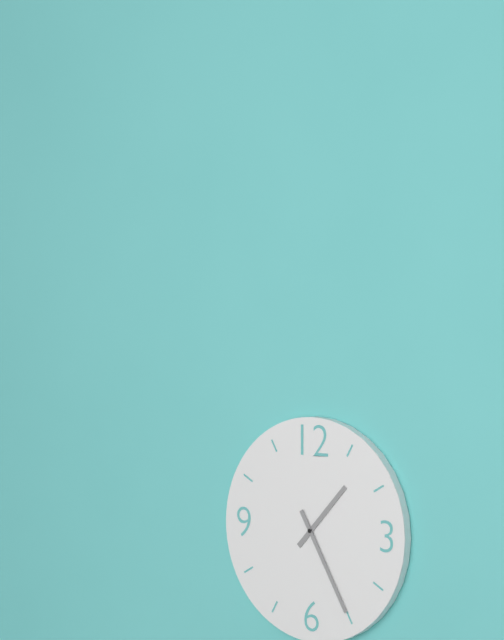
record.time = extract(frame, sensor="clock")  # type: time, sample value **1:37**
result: **1:25**
